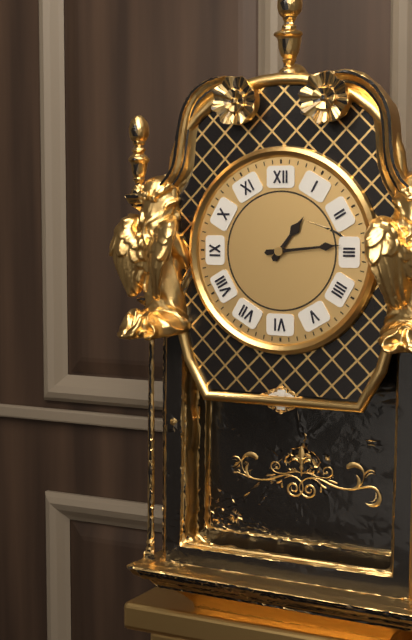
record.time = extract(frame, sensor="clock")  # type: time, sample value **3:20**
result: **1:14**
